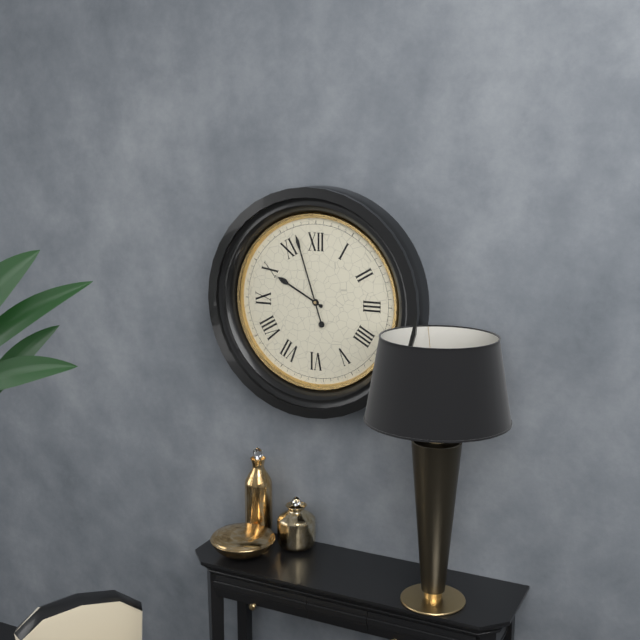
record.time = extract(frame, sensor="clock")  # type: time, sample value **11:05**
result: **9:57**
